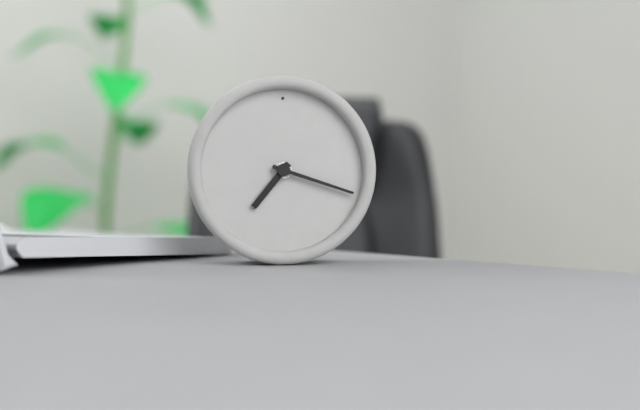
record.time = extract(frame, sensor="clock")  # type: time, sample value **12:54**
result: **7:18**
